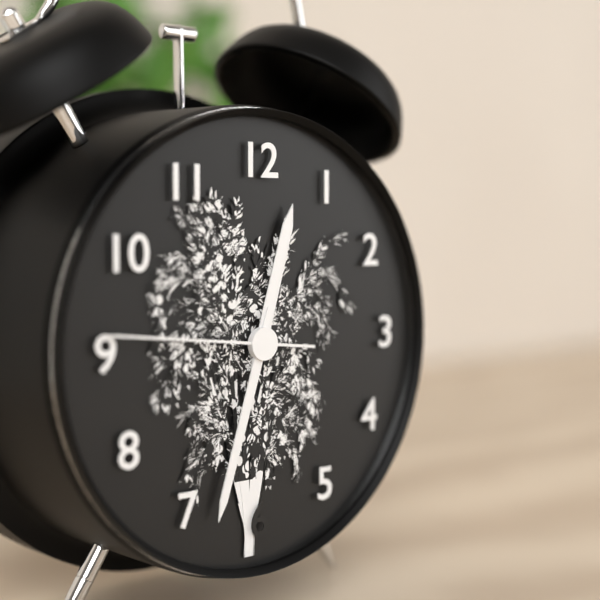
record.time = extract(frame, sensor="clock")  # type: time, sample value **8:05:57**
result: **12:33:46**
